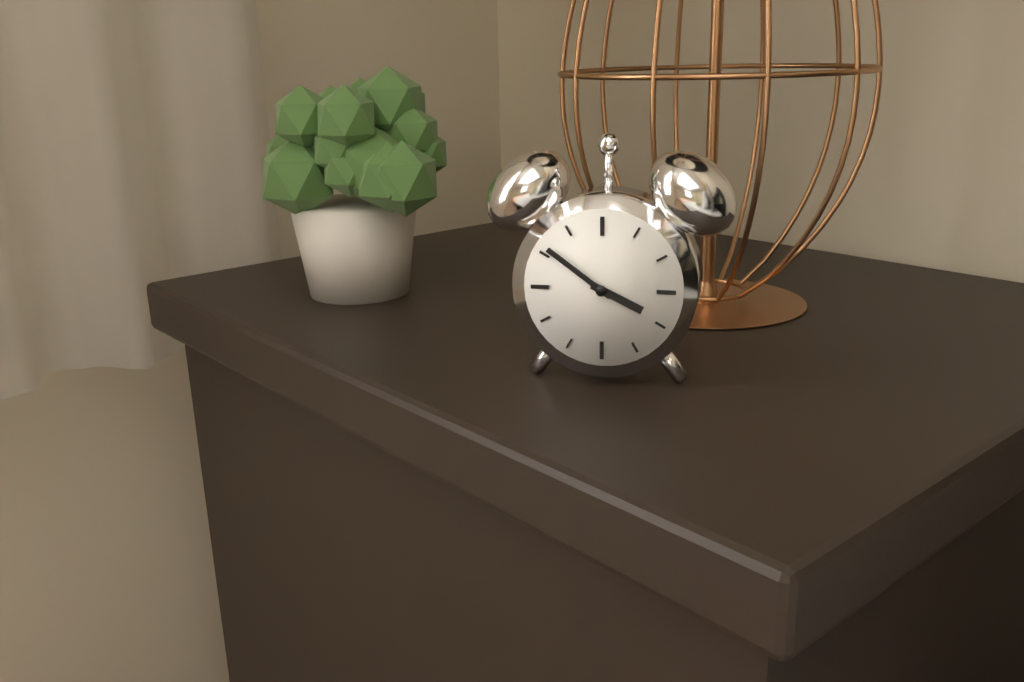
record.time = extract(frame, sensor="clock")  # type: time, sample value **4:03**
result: **3:51**
